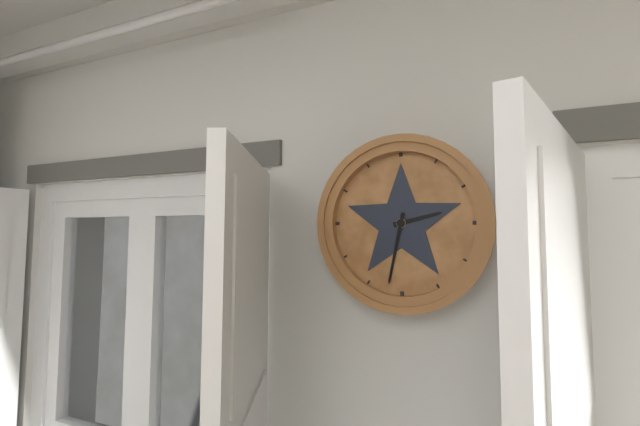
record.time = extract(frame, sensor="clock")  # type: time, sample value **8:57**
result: **2:32**
